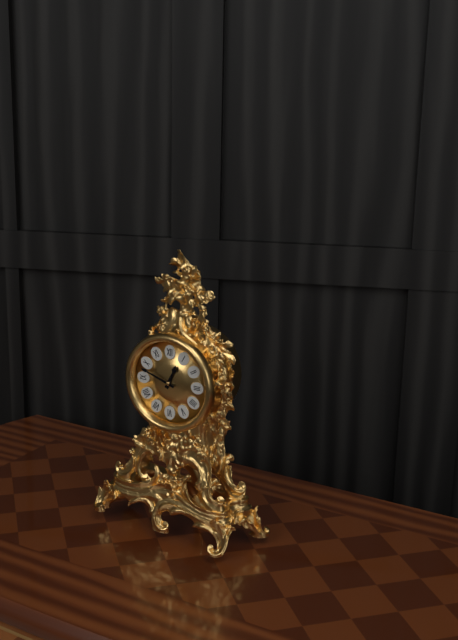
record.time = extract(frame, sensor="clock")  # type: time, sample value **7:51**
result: **12:48**
